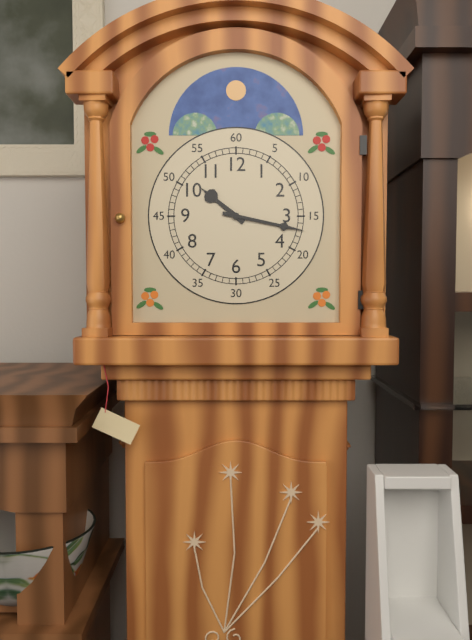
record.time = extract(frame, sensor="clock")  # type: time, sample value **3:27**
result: **10:17**
